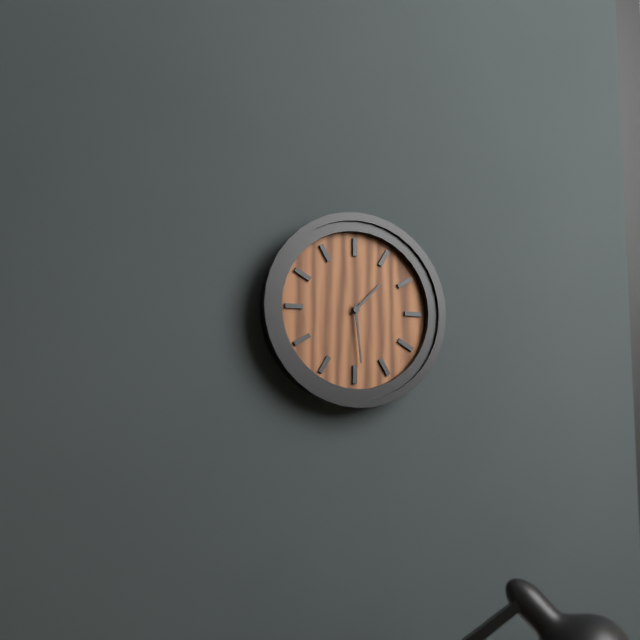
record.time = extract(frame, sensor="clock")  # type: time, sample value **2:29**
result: **1:29**
